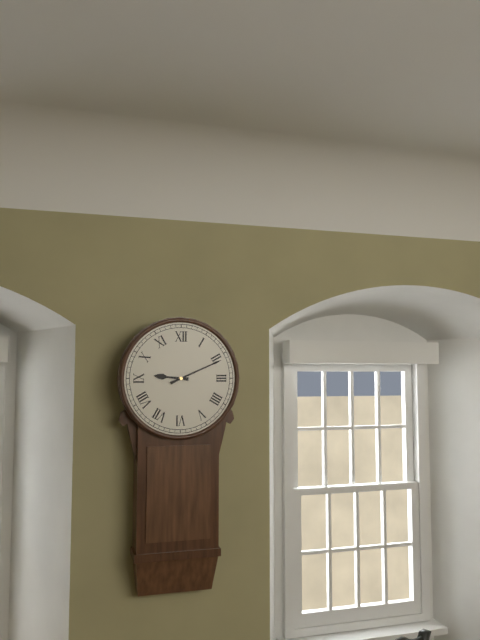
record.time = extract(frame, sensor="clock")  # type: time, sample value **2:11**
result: **9:11**
